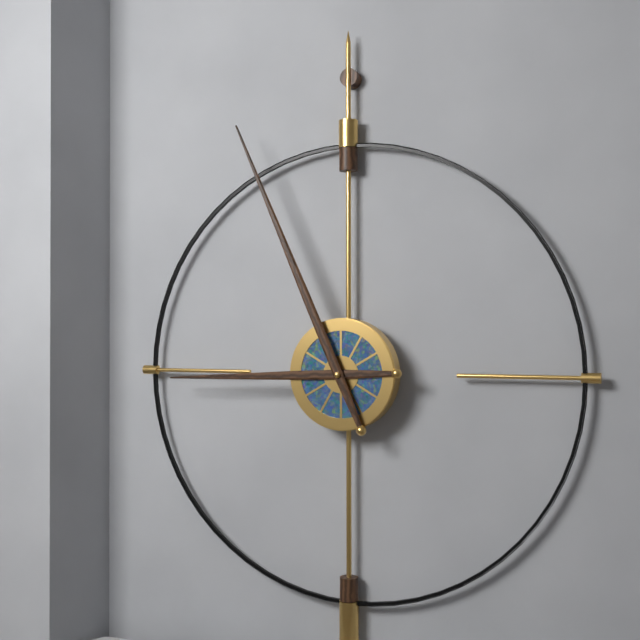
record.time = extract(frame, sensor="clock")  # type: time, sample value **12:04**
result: **8:56**
